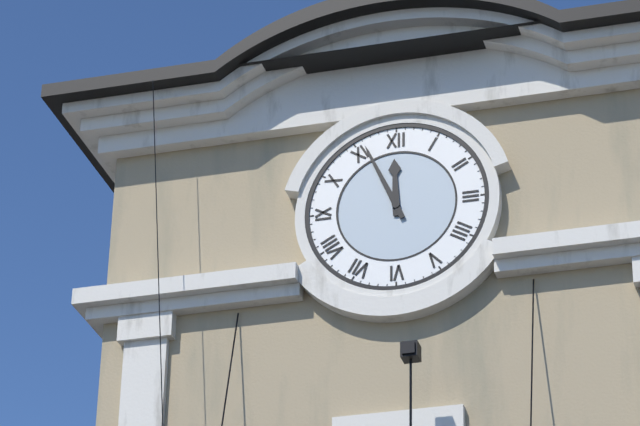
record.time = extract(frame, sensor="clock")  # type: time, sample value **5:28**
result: **11:56**
